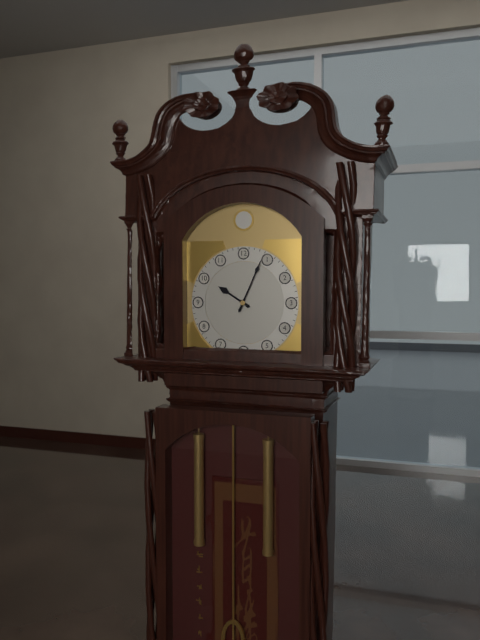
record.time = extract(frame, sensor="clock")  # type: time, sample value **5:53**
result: **10:04**
